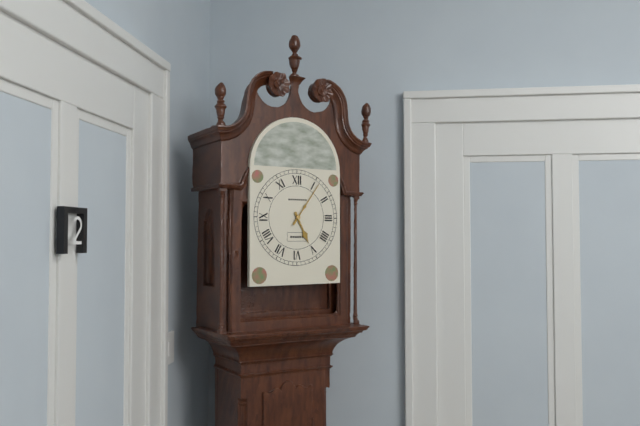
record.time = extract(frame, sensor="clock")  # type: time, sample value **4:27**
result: **5:06**
